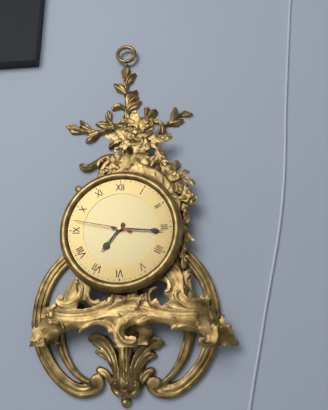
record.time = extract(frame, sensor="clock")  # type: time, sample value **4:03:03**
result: **7:16:47**
